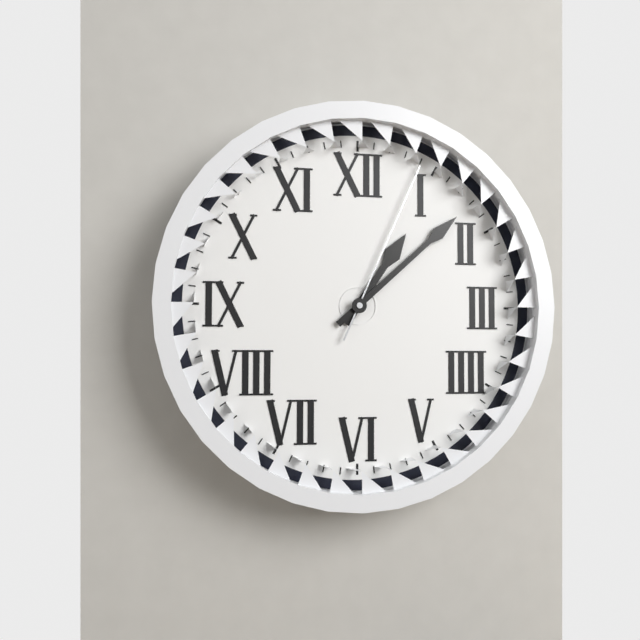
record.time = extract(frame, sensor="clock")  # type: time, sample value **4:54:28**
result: **1:08:04**
